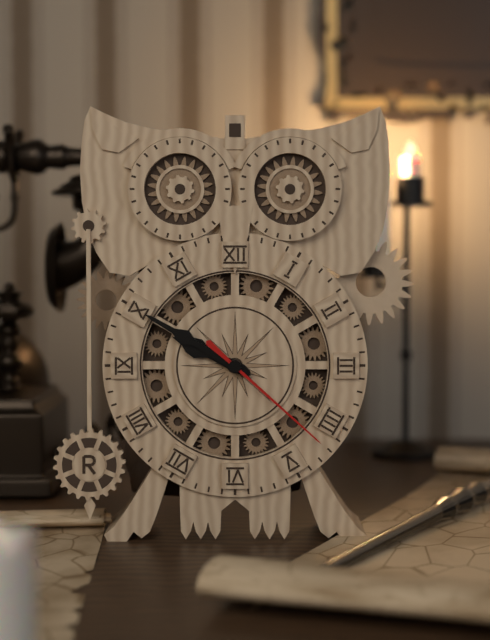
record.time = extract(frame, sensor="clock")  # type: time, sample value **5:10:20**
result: **9:50:22**
